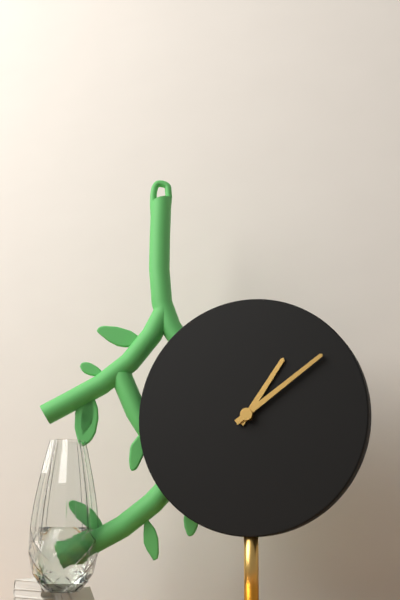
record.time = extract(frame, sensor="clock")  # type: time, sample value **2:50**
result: **1:09**
